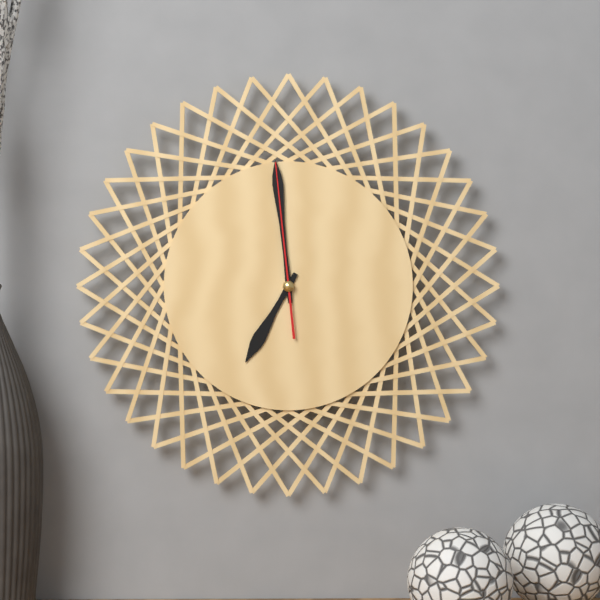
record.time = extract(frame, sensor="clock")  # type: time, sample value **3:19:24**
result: **6:59:59**
